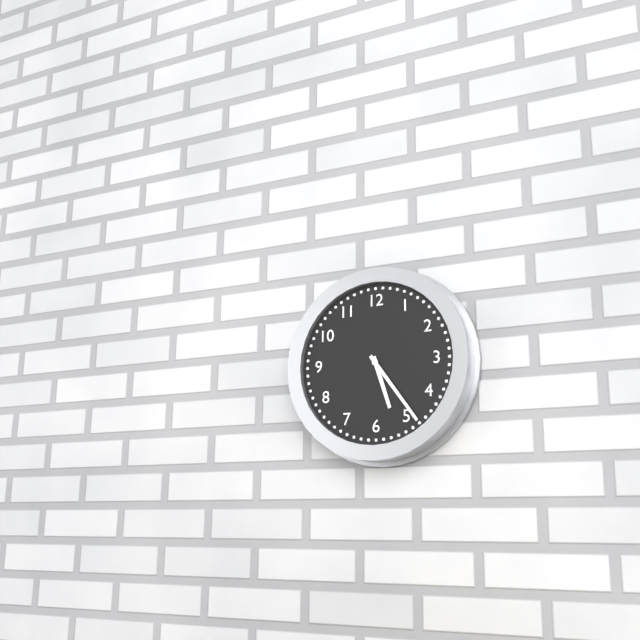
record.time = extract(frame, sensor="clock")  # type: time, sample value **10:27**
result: **5:24**
